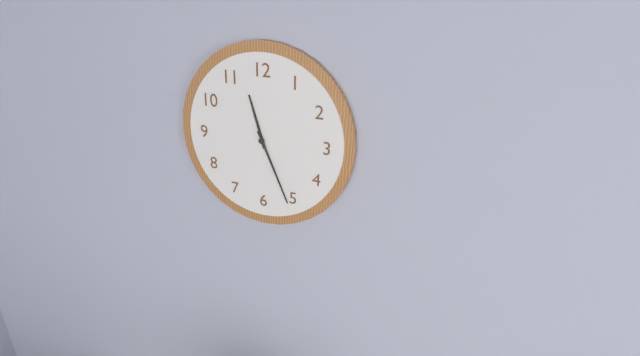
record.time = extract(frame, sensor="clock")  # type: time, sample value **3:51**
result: **11:26**
